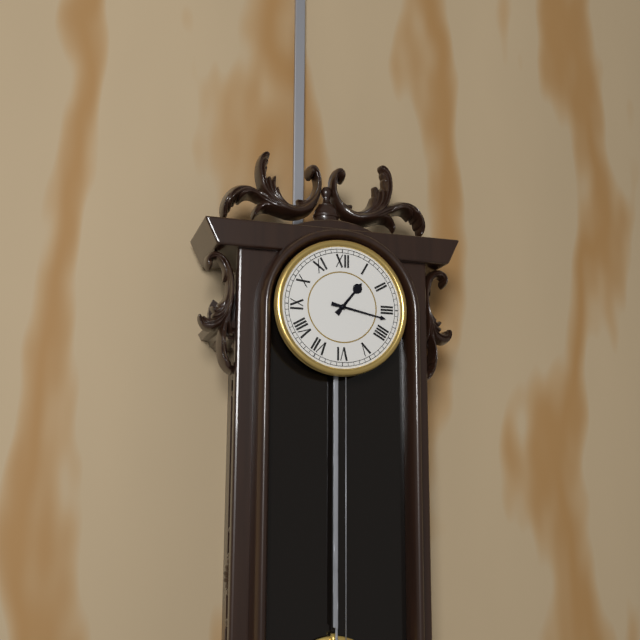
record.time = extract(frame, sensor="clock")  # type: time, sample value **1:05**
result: **1:17**
